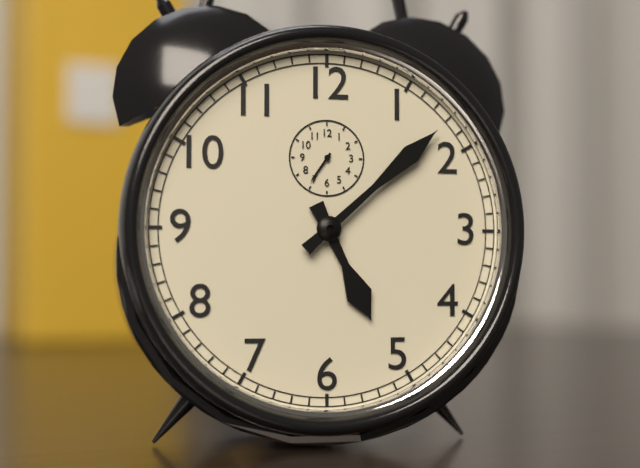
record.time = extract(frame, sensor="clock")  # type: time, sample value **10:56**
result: **5:08**
